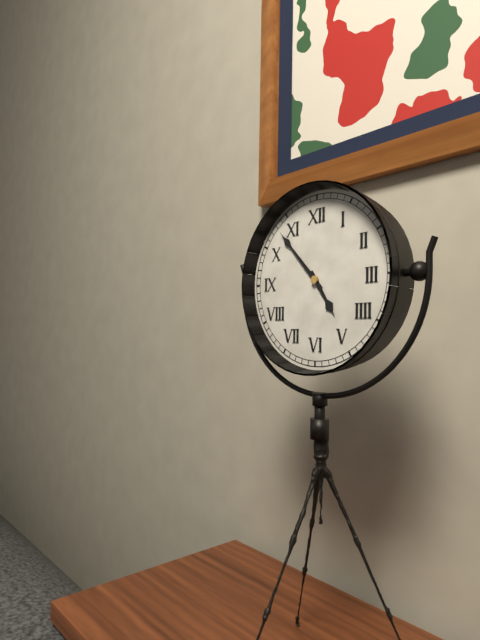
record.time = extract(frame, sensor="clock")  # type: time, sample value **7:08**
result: **4:53**
